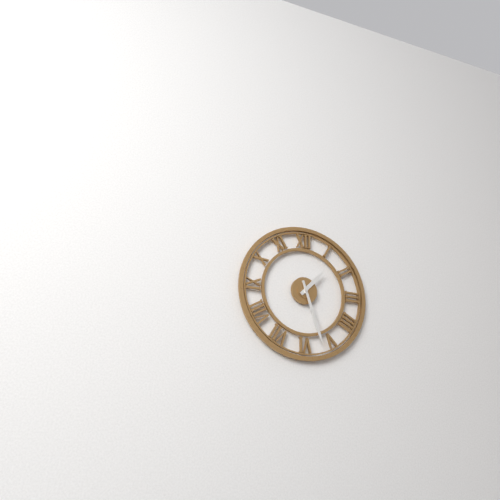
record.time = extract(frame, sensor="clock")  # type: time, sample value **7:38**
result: **1:27**
